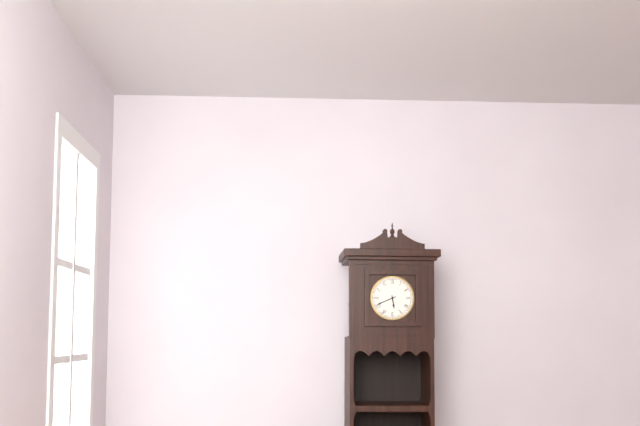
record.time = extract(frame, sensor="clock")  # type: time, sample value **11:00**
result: **5:41**
